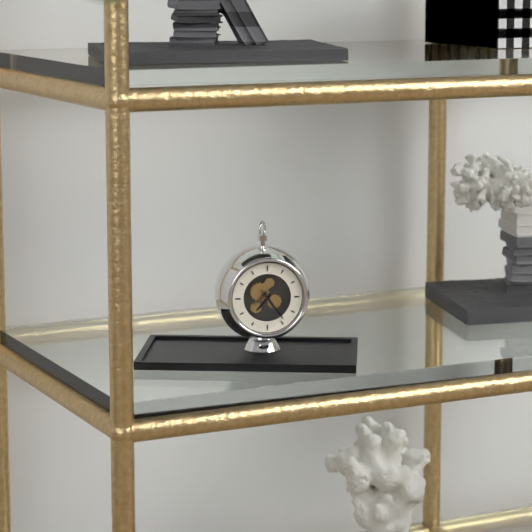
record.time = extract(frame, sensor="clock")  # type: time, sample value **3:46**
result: **7:24**
